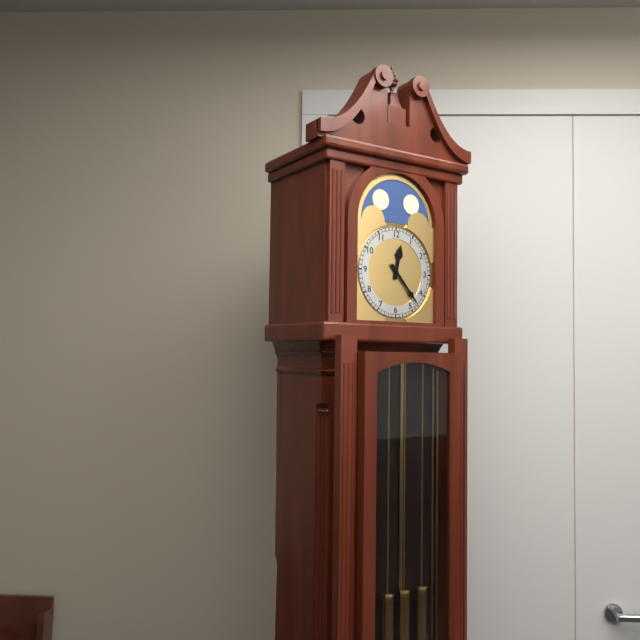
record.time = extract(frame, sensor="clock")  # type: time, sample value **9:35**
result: **12:23**
